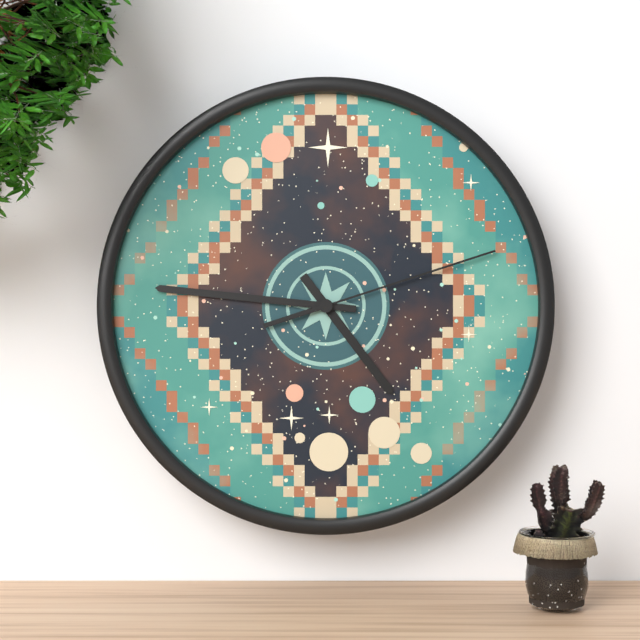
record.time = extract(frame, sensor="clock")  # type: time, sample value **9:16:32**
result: **4:46:12**
